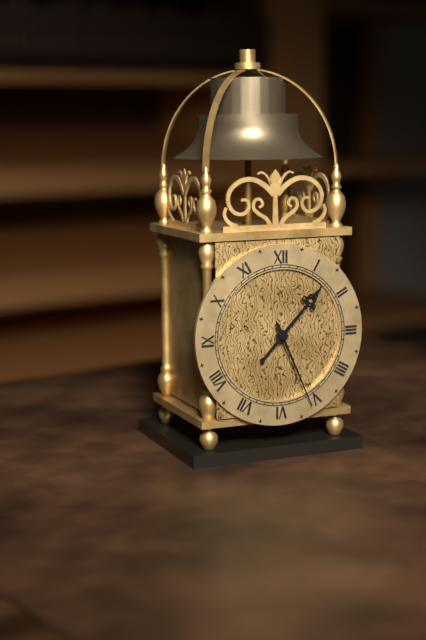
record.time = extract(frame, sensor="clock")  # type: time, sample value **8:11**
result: **1:26**
